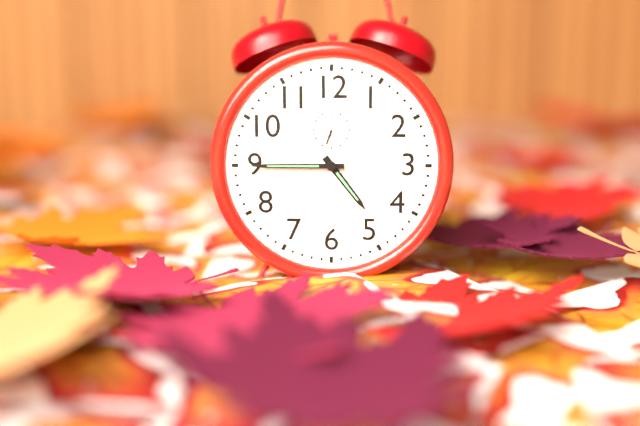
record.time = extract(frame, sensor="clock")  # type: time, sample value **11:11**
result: **4:45**
